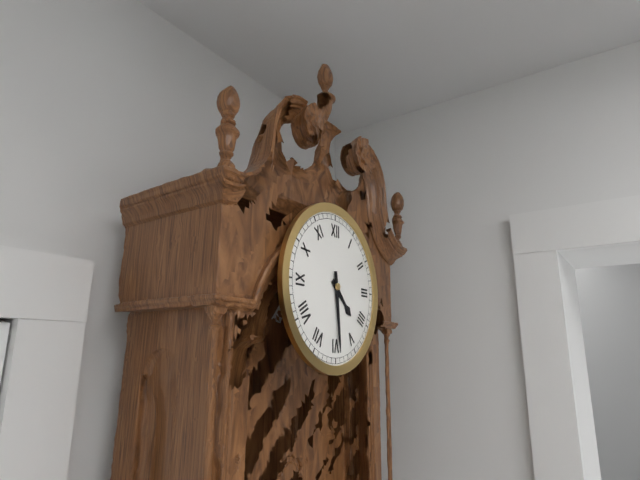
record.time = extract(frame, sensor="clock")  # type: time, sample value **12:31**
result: **4:29**
